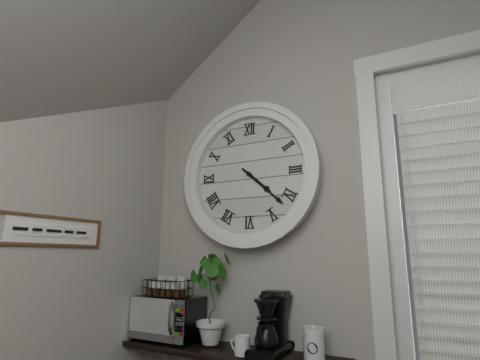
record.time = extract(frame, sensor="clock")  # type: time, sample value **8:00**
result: **4:22**
